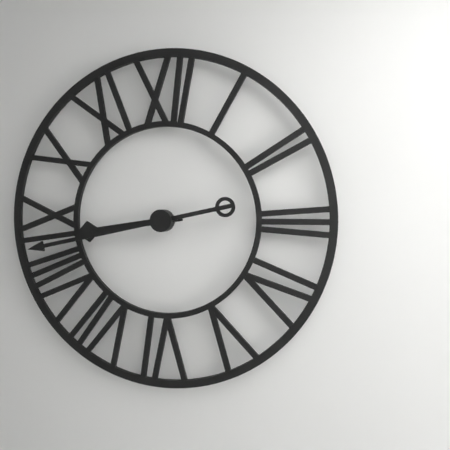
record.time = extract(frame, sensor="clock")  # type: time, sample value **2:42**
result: **8:43**
